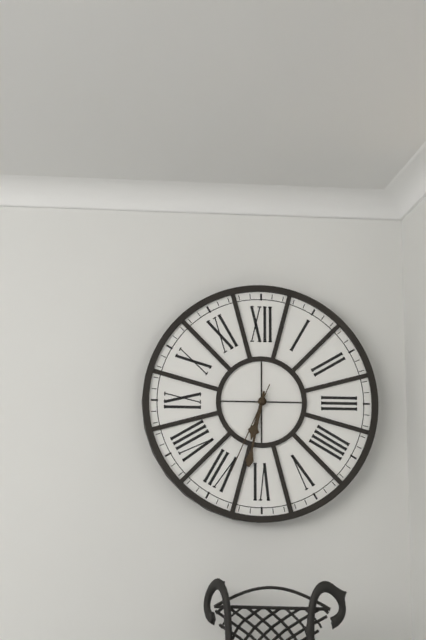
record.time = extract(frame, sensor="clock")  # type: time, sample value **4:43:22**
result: **6:32:34**
